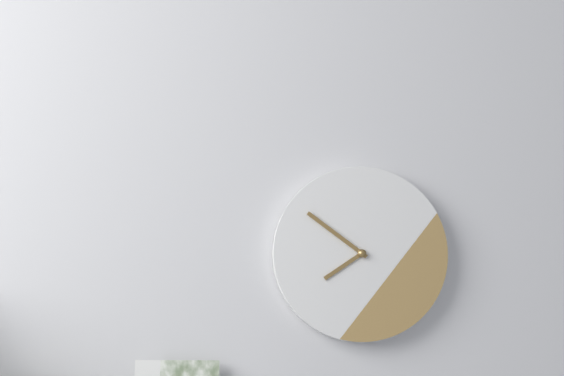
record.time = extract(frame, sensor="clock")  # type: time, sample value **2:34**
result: **7:51**
